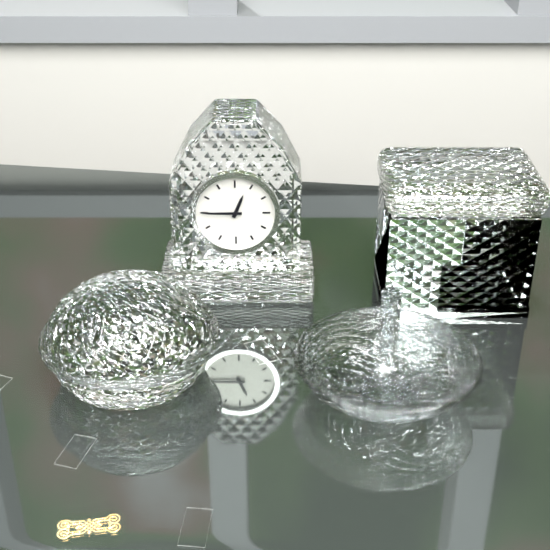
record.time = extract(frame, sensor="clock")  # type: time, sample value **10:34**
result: **12:45**
